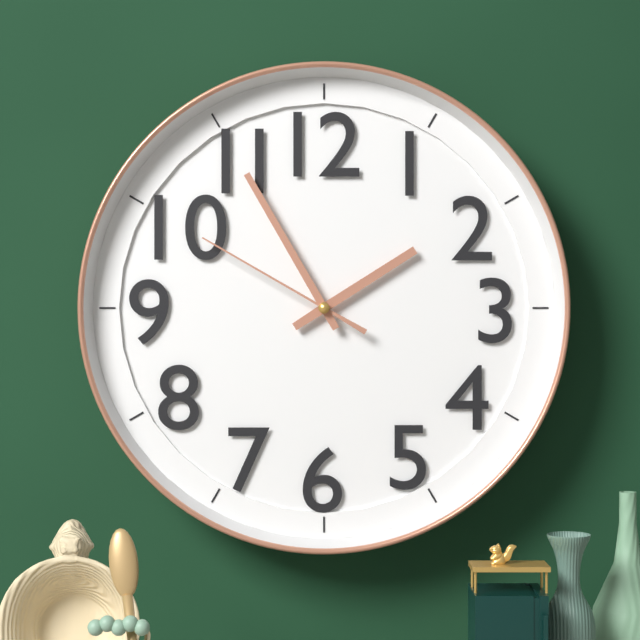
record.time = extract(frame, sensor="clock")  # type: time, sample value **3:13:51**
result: **1:55:50**
